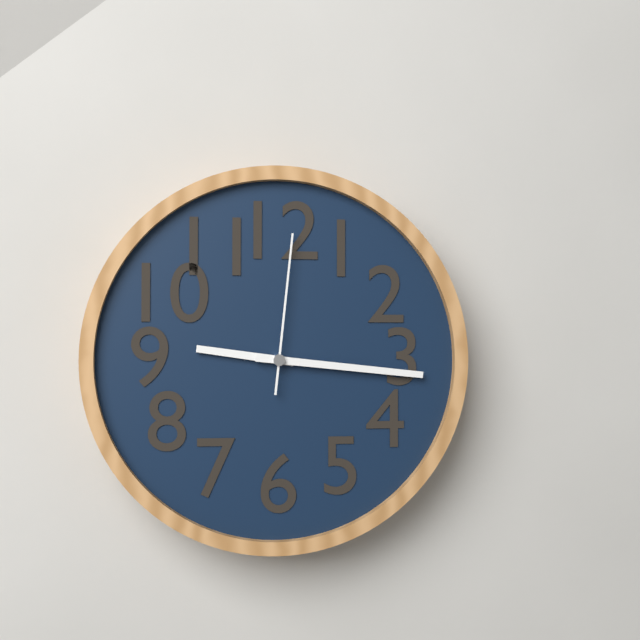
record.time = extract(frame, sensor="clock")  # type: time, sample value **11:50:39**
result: **9:16:01**
